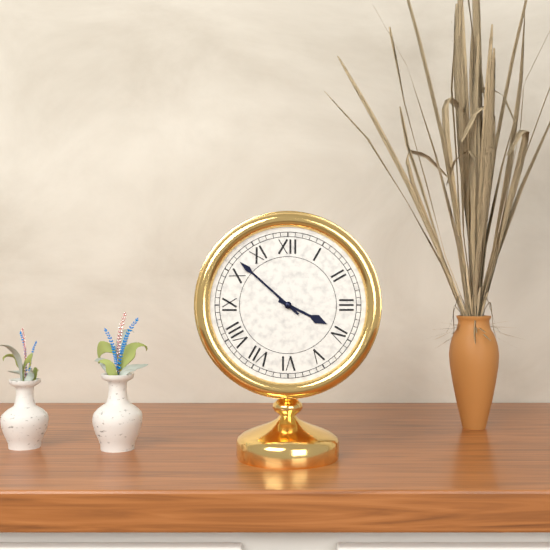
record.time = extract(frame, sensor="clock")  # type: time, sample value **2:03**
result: **3:52**
